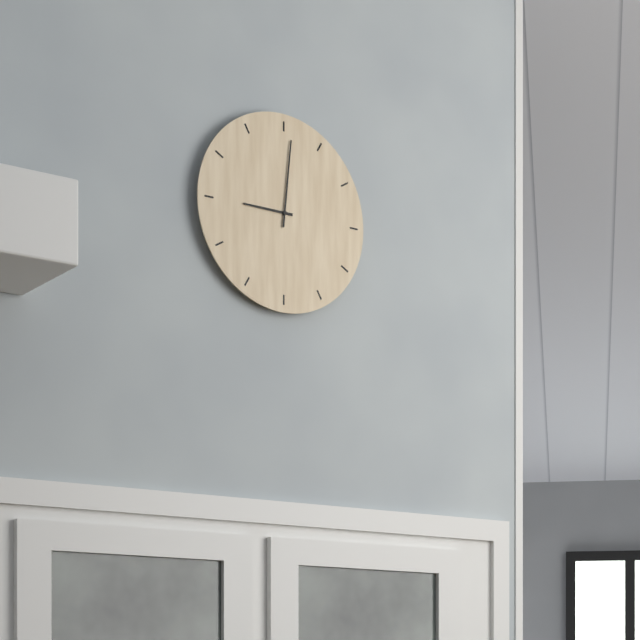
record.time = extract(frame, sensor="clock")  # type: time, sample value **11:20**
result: **9:01**
